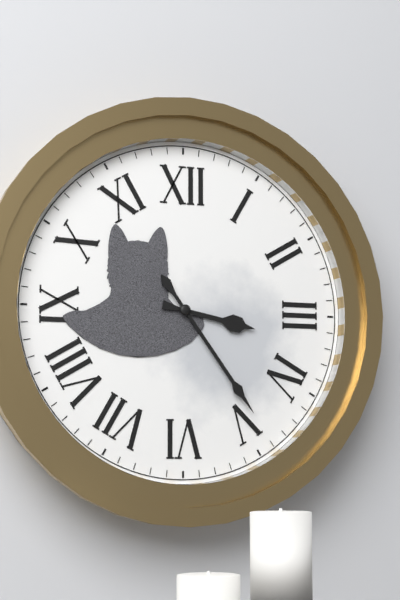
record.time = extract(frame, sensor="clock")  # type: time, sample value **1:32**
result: **3:24**
